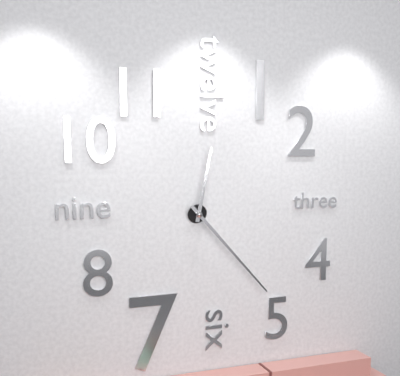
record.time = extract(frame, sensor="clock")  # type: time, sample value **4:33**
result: **12:23**
